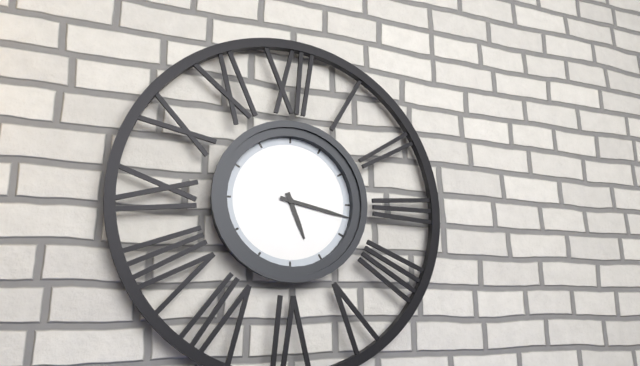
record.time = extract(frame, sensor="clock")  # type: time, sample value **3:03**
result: **5:17**
